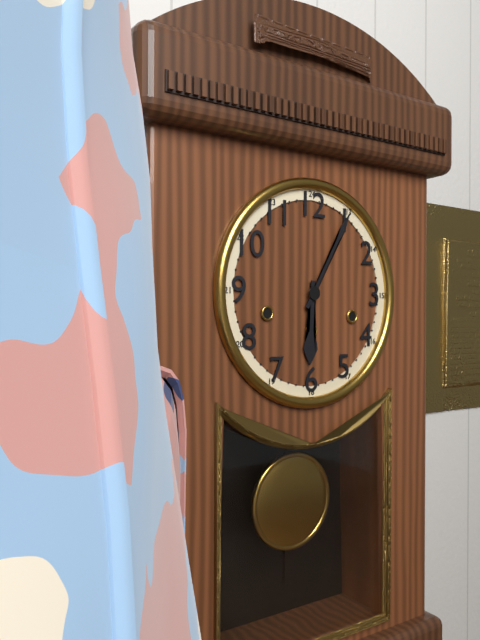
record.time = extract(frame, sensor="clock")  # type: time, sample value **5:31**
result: **6:05**
